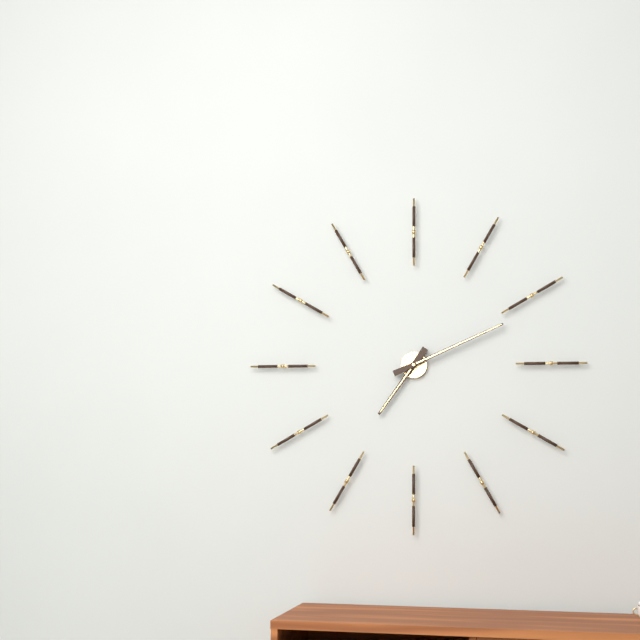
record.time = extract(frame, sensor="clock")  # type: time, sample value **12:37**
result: **7:11**
